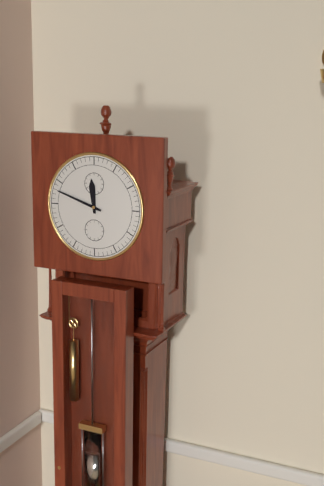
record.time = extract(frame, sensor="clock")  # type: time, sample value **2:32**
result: **11:48**
